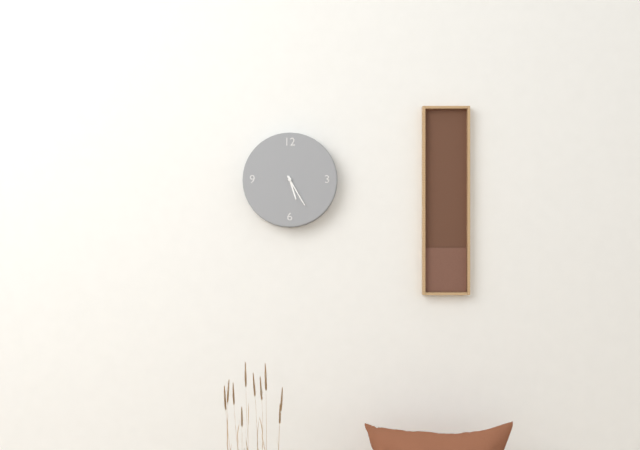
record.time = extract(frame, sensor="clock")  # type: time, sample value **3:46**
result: **5:25**
